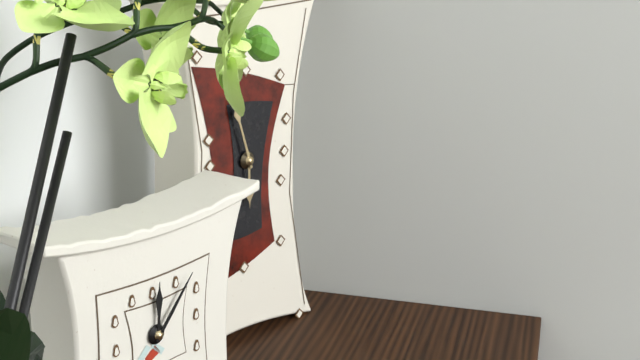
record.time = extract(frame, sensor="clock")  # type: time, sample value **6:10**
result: **5:57**
